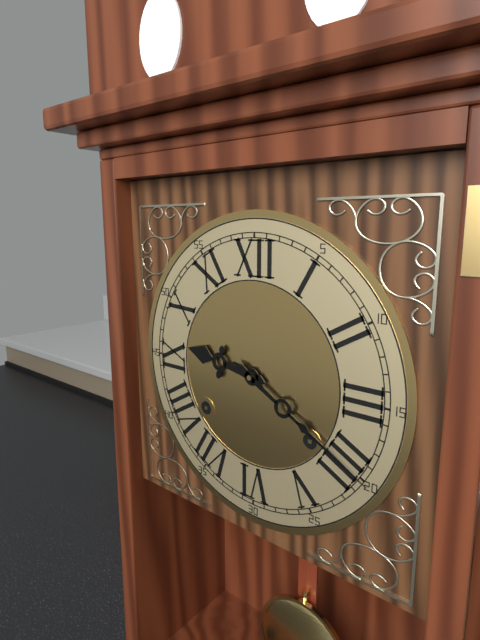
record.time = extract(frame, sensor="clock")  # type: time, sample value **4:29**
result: **9:20**
